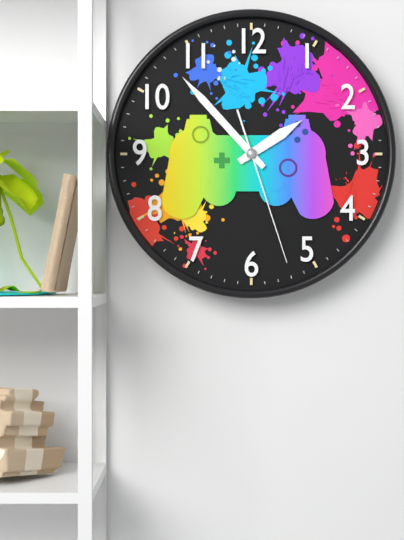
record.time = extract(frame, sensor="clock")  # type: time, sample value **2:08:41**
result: **1:53:27**
